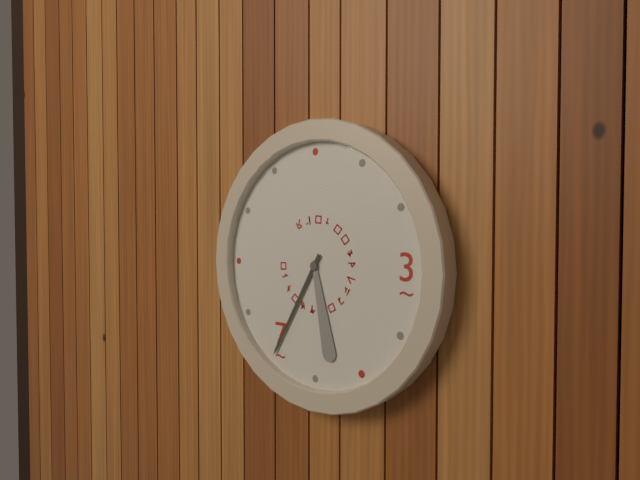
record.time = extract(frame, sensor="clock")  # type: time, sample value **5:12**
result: **5:35**
